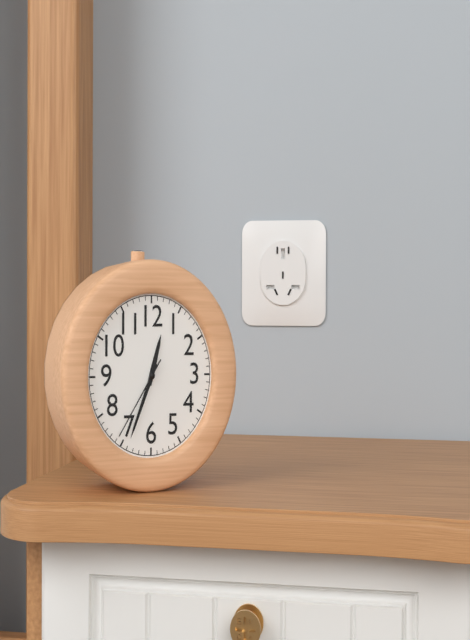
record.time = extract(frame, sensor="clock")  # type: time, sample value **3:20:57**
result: **12:34:36**
